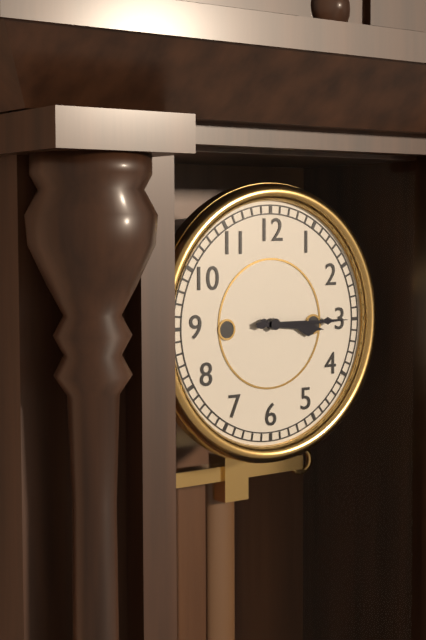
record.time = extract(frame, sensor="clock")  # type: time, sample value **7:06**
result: **3:15**
